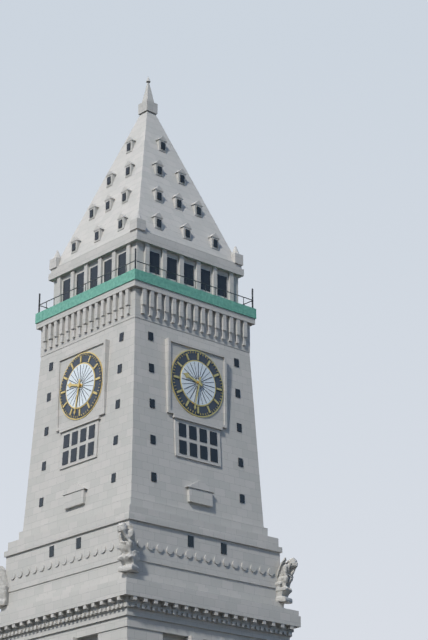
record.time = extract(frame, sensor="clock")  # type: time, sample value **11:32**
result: **9:32**
